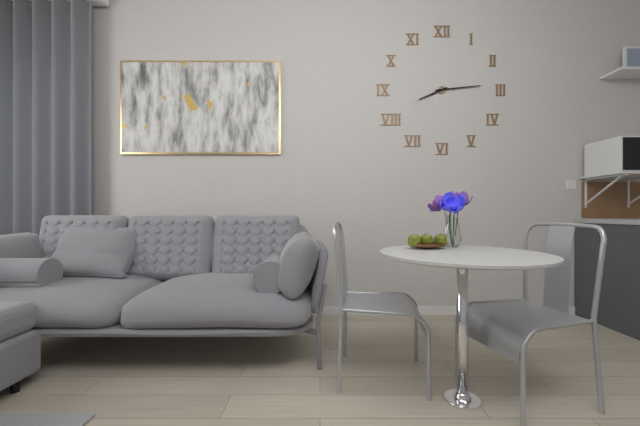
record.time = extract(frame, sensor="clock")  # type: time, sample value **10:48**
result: **8:14**
